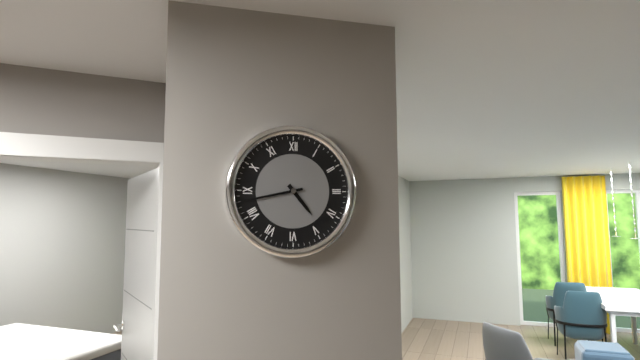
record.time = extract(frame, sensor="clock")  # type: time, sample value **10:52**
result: **4:43**
